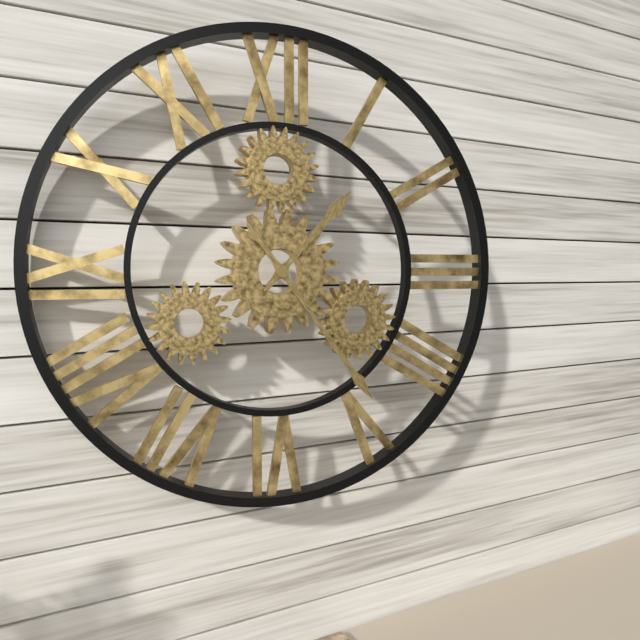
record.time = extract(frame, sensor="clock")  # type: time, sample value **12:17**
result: **1:24**
